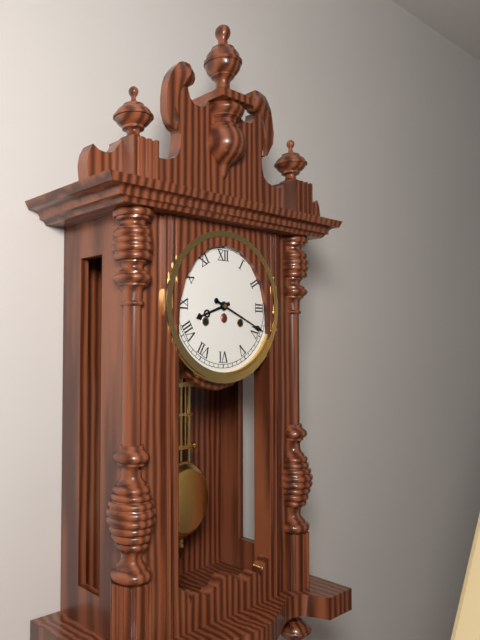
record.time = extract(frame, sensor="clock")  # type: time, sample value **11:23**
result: **8:19**
